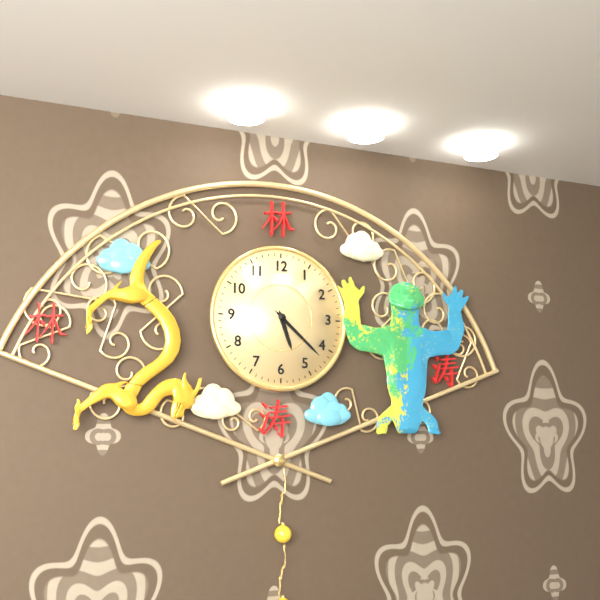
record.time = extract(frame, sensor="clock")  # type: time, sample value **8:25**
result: **5:22**
